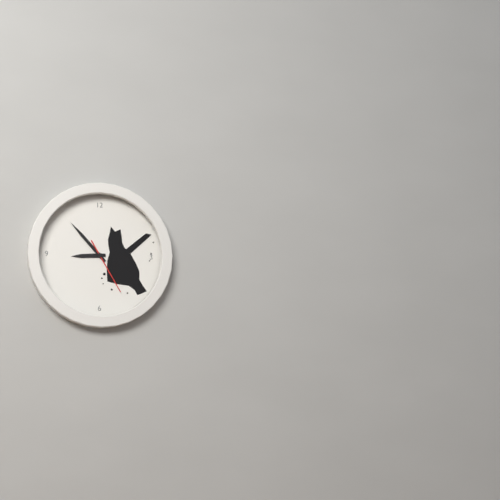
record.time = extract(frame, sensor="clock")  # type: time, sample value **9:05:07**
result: **8:53:25**
